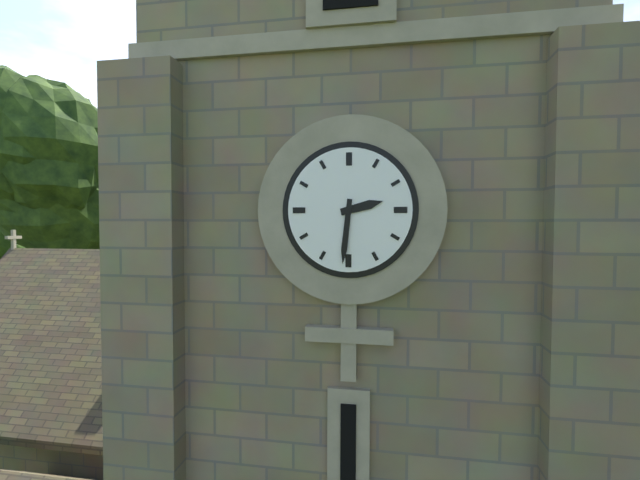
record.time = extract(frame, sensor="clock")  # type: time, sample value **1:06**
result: **2:31**
